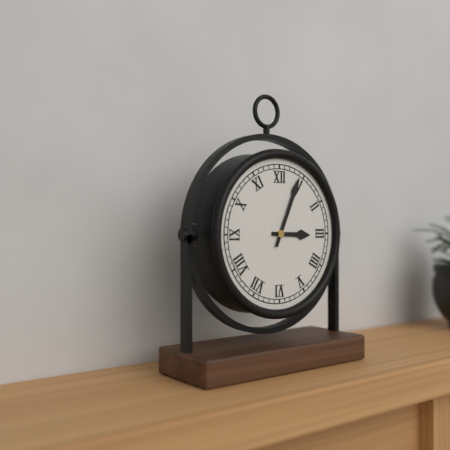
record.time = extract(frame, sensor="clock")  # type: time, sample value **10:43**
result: **3:04**
